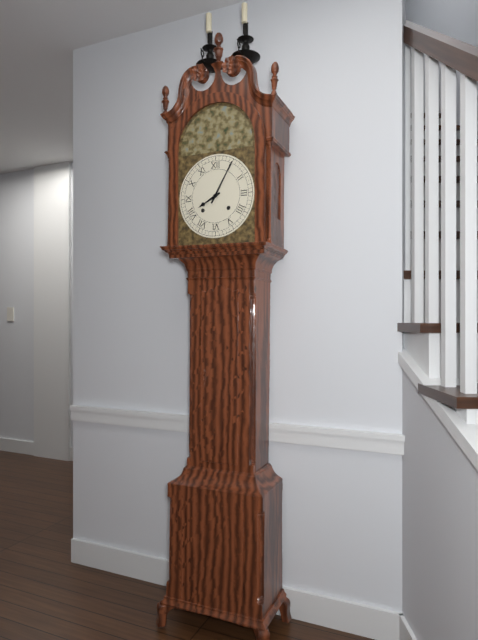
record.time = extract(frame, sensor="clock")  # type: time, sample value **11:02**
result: **8:05**
